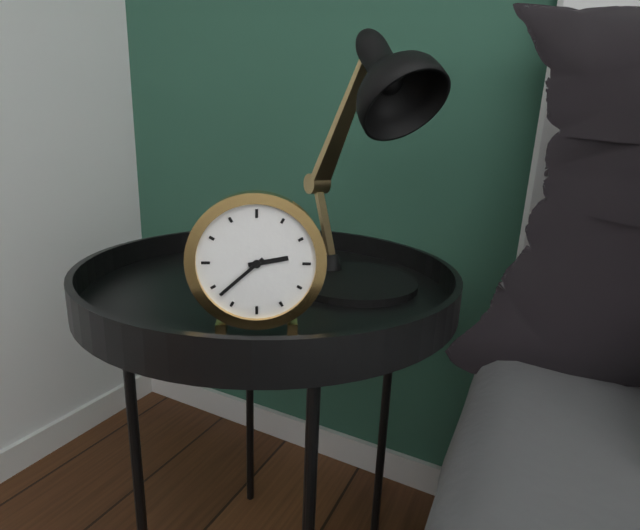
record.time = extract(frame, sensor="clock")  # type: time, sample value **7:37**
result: **2:38**
